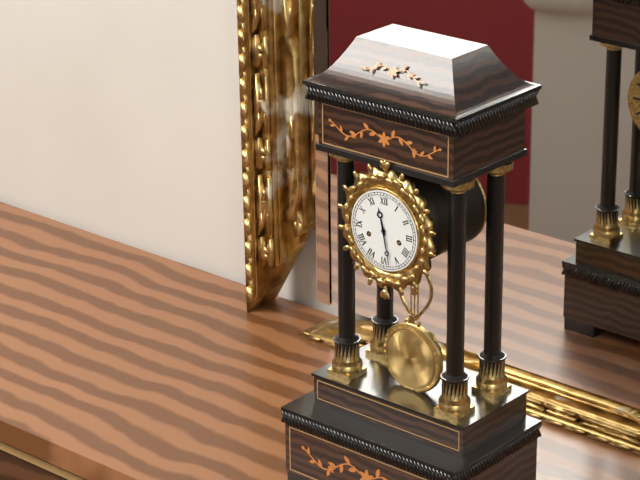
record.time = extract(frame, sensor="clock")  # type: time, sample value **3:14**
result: **11:28**
